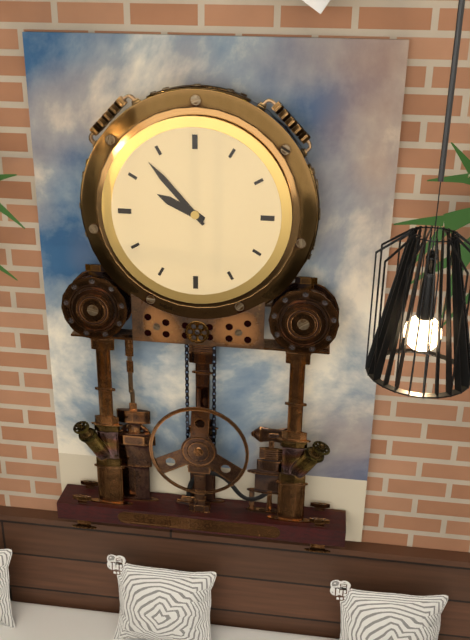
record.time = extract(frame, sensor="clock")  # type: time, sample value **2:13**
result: **9:53**
